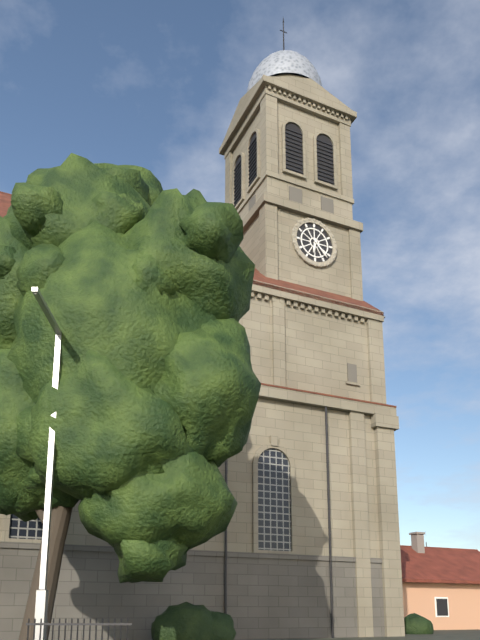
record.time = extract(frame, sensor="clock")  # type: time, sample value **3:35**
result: **6:23**
